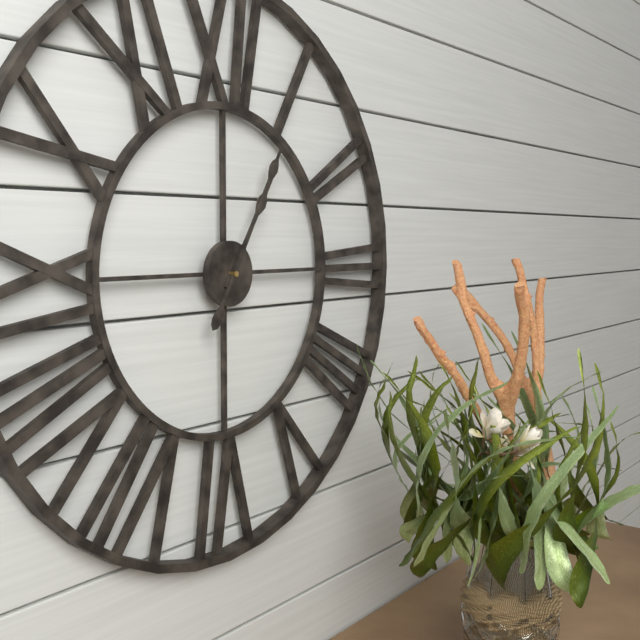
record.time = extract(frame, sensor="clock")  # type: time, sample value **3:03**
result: **1:05**
